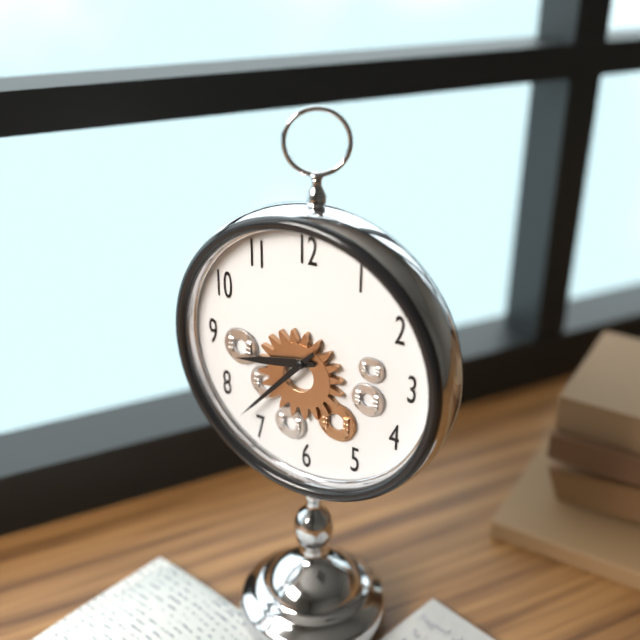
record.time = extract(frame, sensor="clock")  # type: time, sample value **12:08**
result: **8:37**
